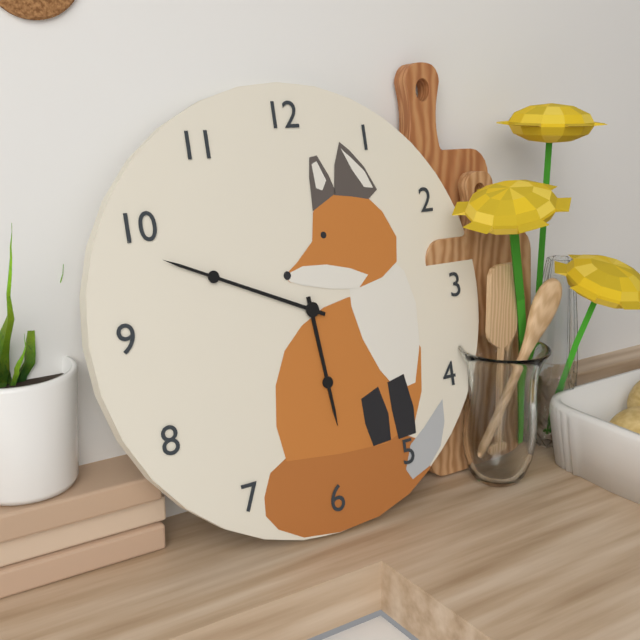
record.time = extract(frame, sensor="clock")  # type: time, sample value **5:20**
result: **5:49**
